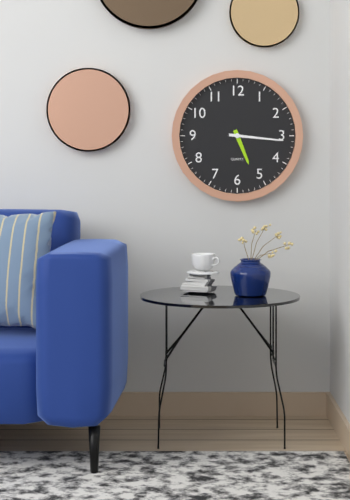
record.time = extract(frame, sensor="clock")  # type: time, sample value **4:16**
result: **5:16**
